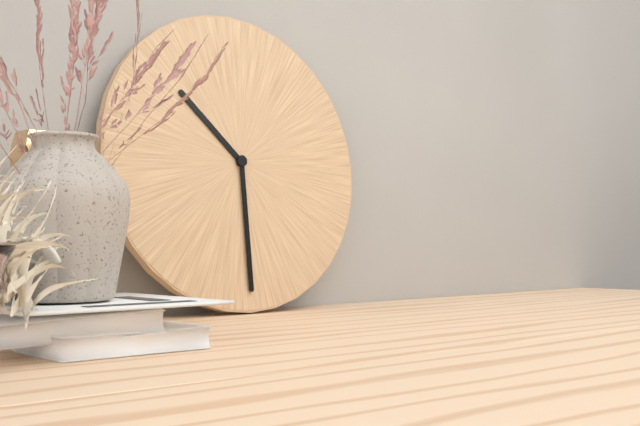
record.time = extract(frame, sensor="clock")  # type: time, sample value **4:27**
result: **10:30**
